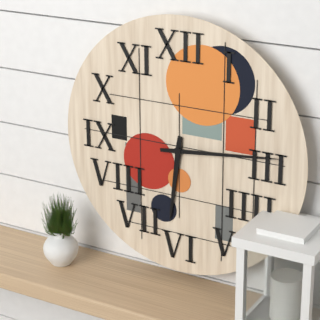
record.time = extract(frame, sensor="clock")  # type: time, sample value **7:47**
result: **6:14**
